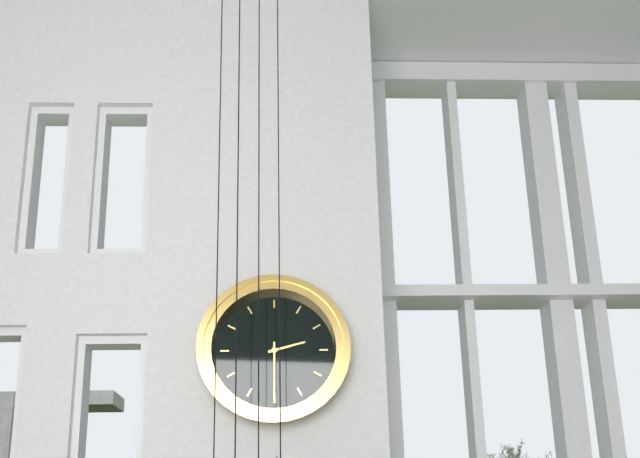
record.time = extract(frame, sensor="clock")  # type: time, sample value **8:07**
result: **2:30**
